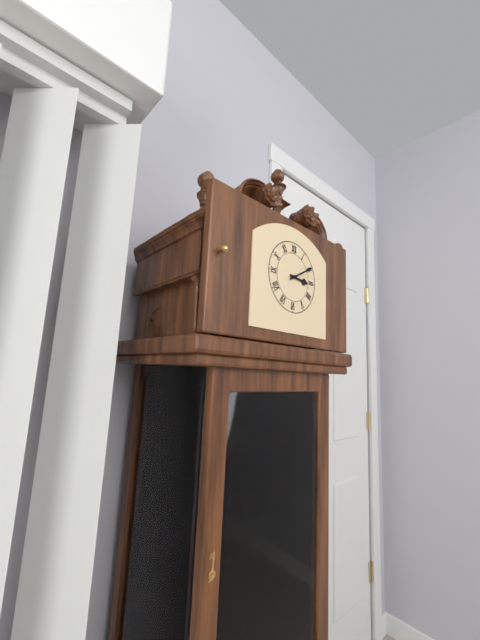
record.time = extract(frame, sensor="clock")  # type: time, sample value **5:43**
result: **3:10**
